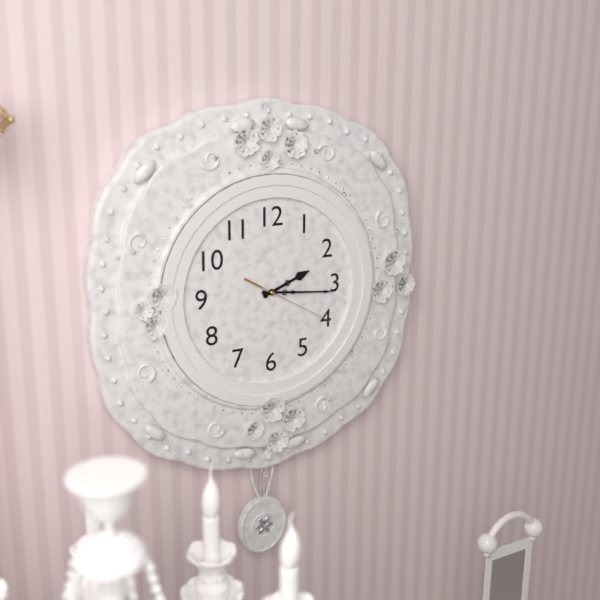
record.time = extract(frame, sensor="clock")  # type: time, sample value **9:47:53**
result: **2:16:20**
